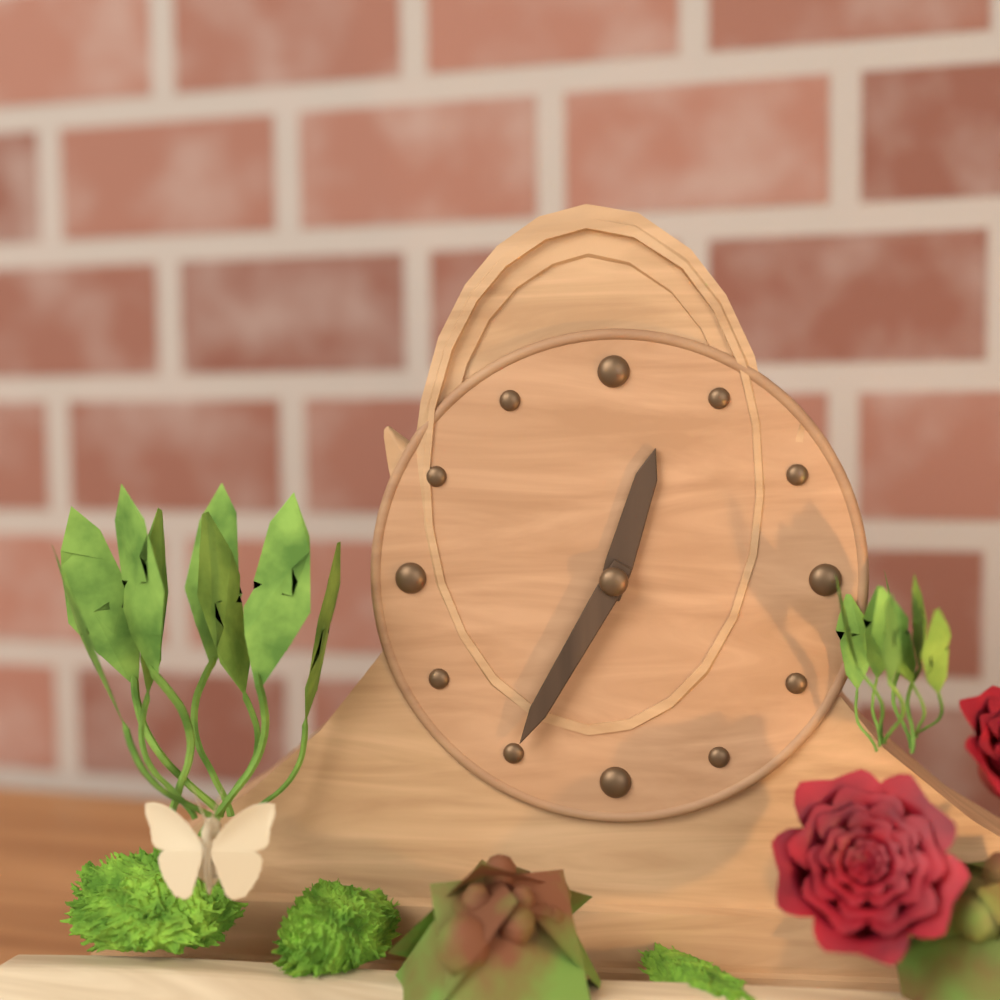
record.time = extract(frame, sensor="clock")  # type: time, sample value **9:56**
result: **12:35**
